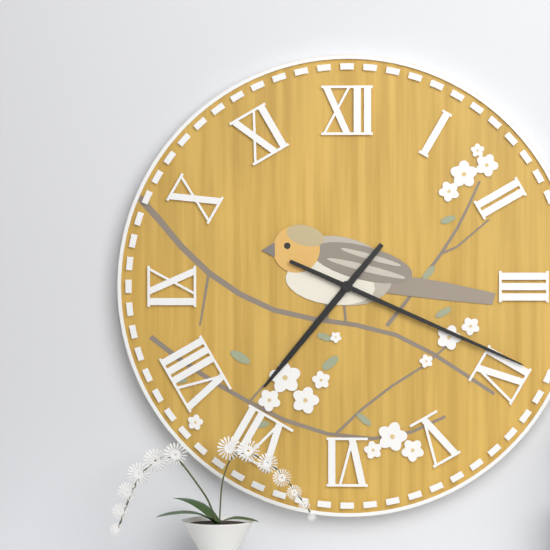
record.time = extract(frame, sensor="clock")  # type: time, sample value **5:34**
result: **7:19**
